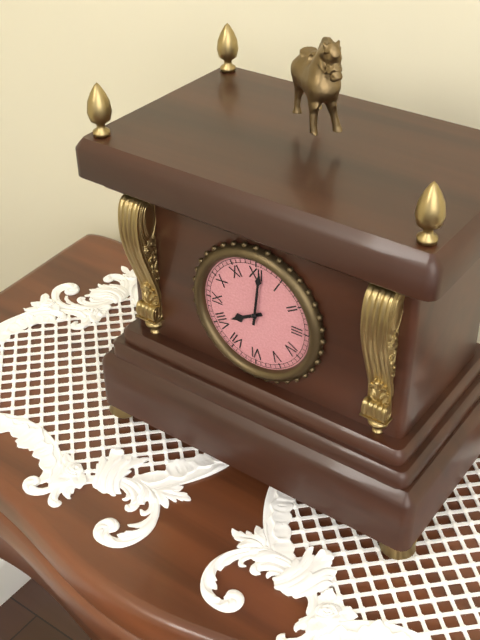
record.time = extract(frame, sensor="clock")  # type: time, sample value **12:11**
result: **8:01**
